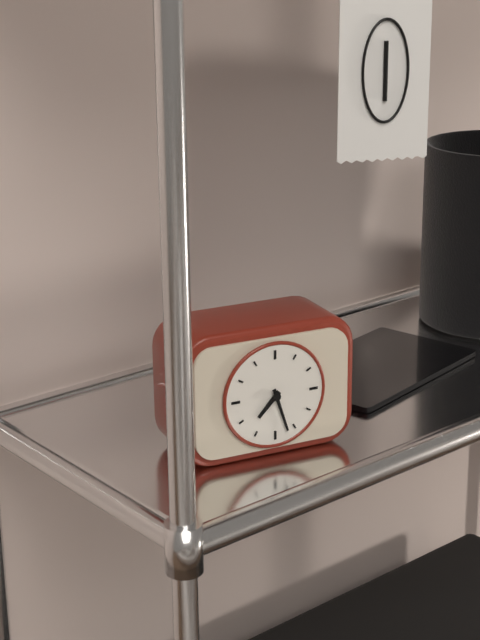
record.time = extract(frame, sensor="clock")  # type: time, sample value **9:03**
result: **7:27**
